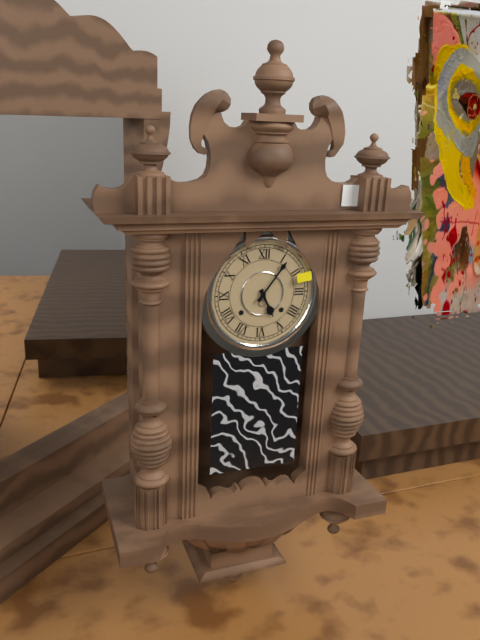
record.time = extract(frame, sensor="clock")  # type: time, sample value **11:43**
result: **5:06**
